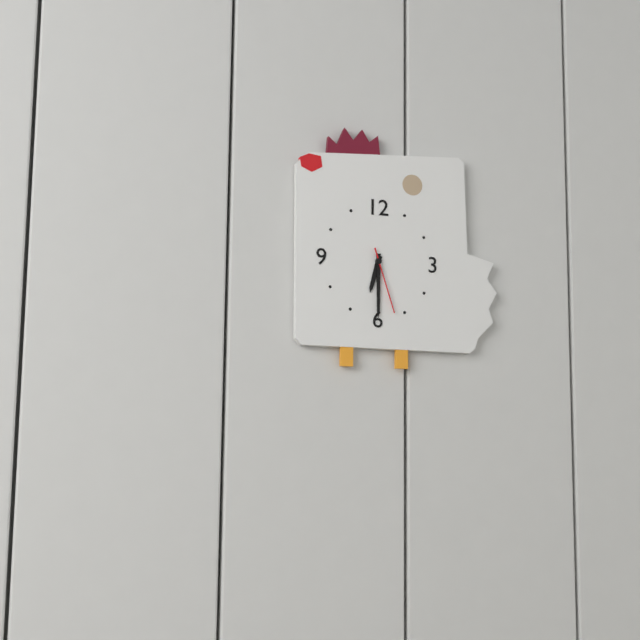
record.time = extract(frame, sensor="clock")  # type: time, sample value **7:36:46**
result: **6:30:27**
